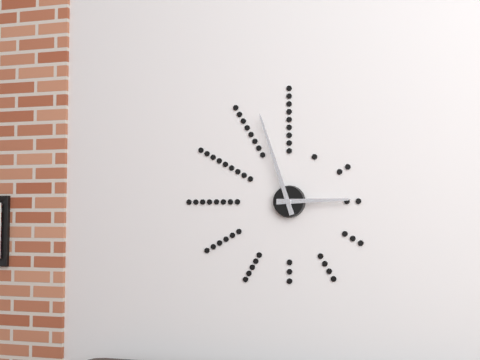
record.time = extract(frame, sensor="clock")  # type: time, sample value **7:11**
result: **2:57**
